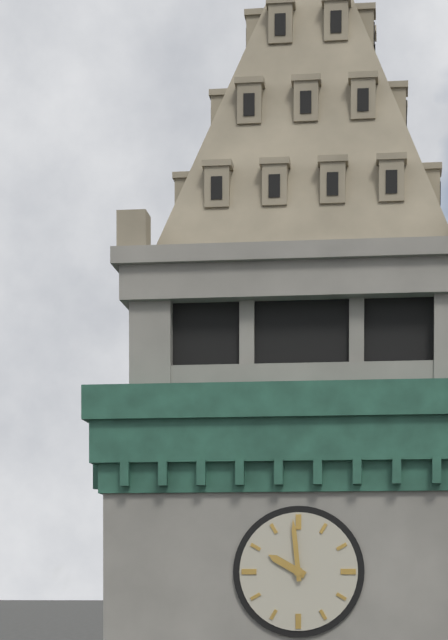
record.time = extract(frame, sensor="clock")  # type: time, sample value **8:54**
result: **9:59**
